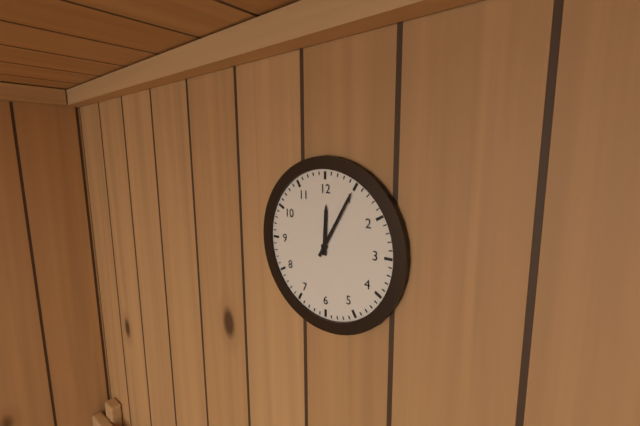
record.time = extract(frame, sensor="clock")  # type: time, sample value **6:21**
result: **12:05**
